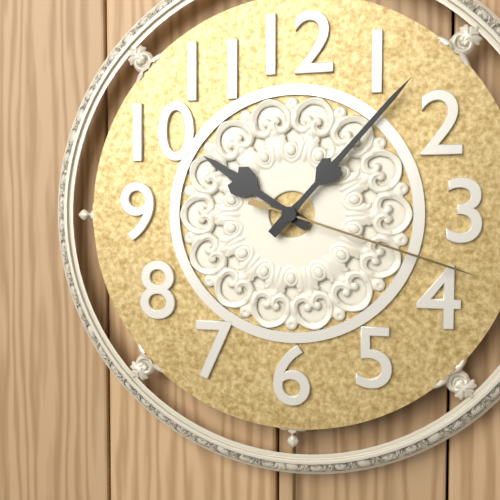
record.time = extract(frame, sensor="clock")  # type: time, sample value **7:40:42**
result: **10:07:18**
